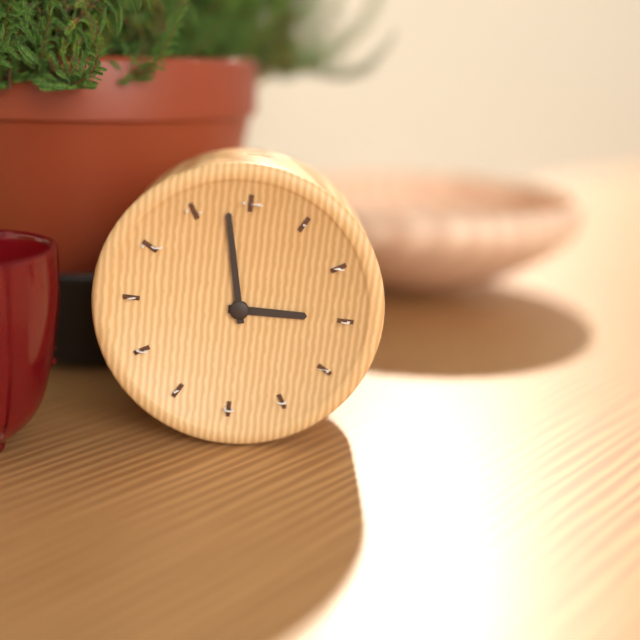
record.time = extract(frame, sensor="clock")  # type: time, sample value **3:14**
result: **2:58**
